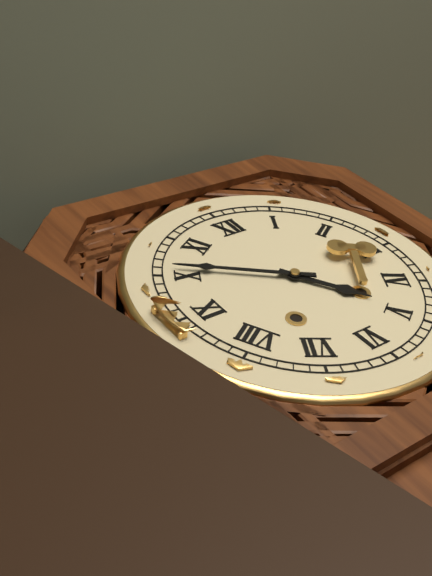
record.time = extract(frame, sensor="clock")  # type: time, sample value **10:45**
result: **4:51**
